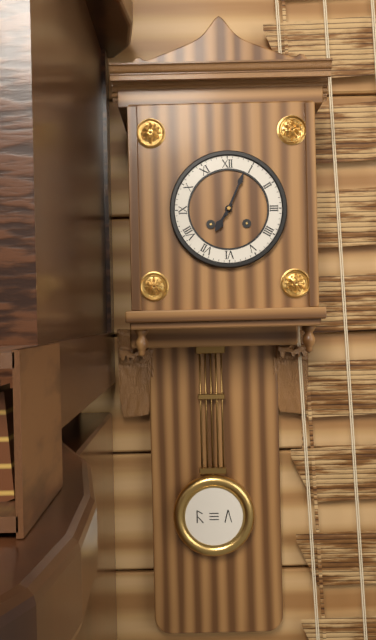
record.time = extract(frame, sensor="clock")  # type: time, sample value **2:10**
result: **7:04**
